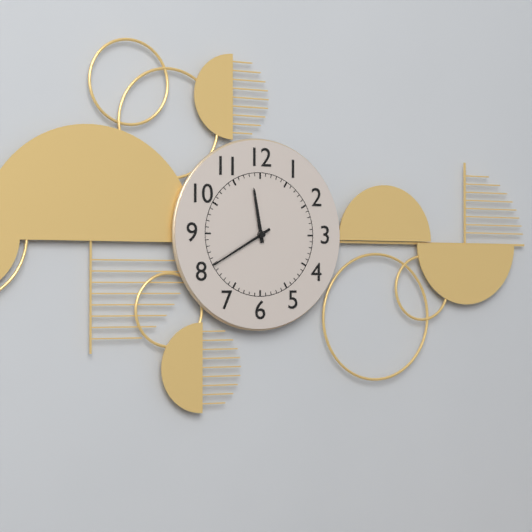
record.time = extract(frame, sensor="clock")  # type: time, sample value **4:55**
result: **11:40**
